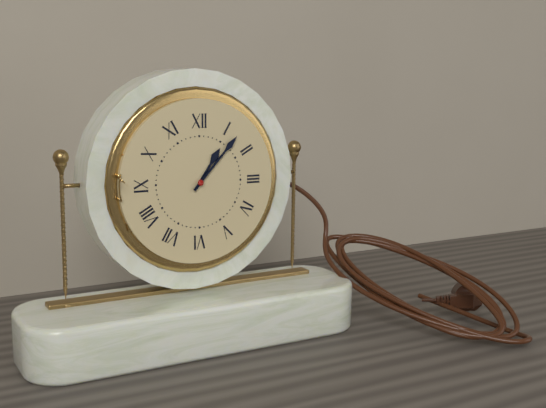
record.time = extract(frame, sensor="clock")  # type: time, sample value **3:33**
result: **1:07**
